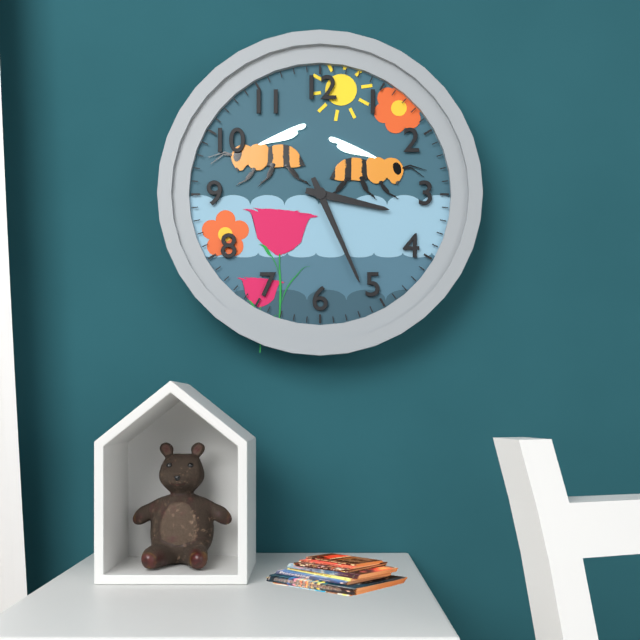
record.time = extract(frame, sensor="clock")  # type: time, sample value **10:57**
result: **3:26**
